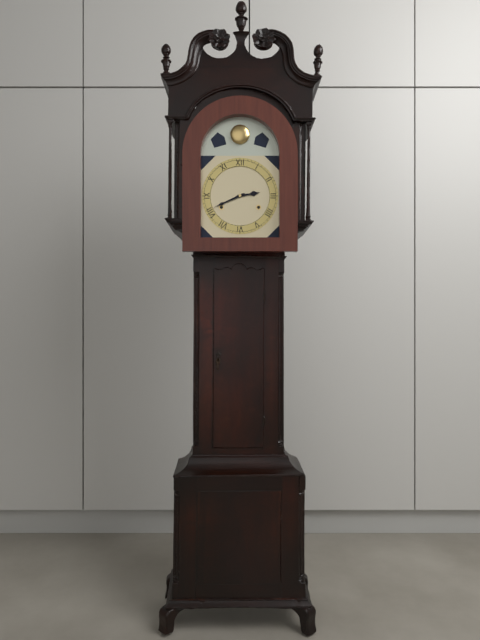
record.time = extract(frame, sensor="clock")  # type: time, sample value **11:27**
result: **2:41**
